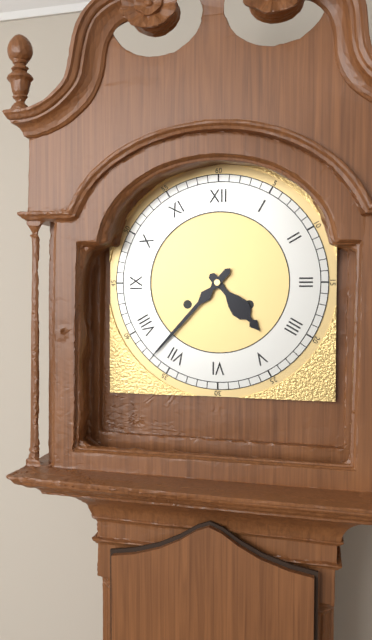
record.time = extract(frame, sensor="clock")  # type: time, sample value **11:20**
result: **4:37**
